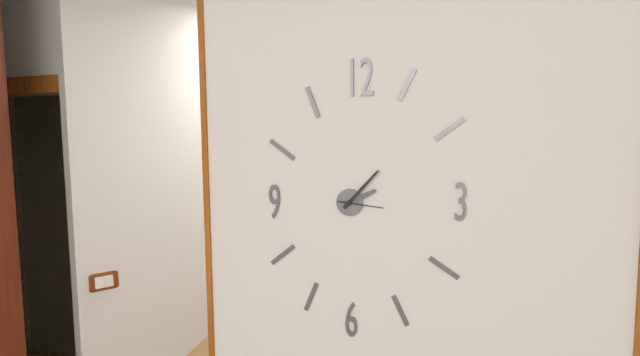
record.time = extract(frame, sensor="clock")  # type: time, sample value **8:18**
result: **2:07**
